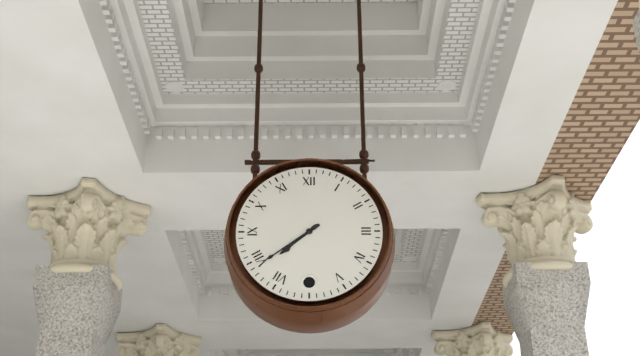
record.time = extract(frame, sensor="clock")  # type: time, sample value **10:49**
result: **7:39**
